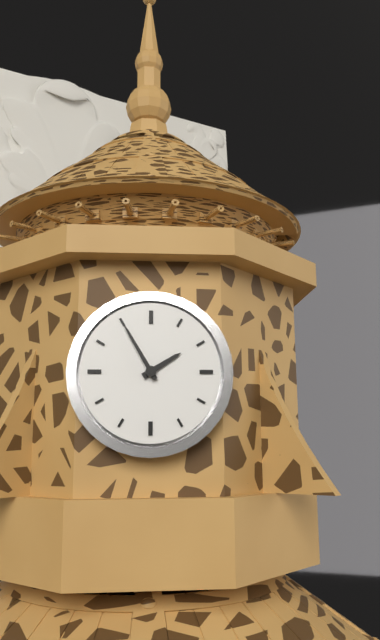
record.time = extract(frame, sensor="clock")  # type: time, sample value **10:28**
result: **1:55**
